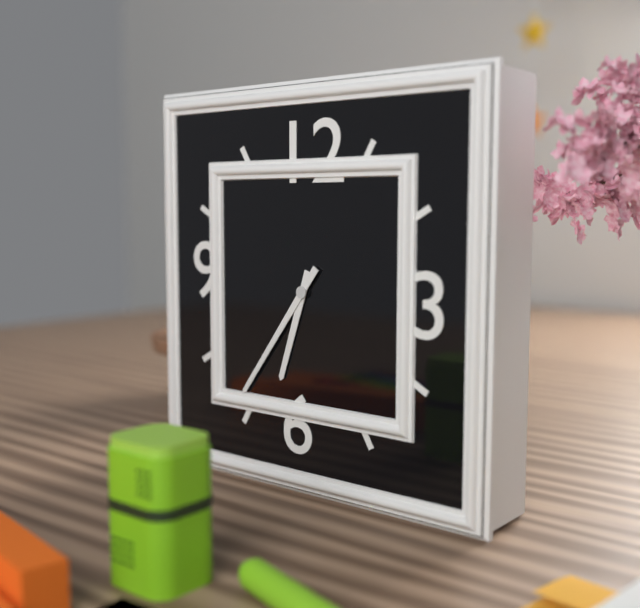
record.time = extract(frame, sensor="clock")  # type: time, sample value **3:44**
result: **6:36**
